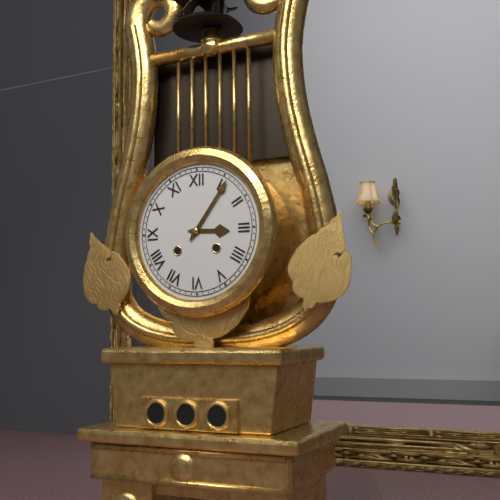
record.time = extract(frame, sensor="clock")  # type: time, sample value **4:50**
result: **3:06**
